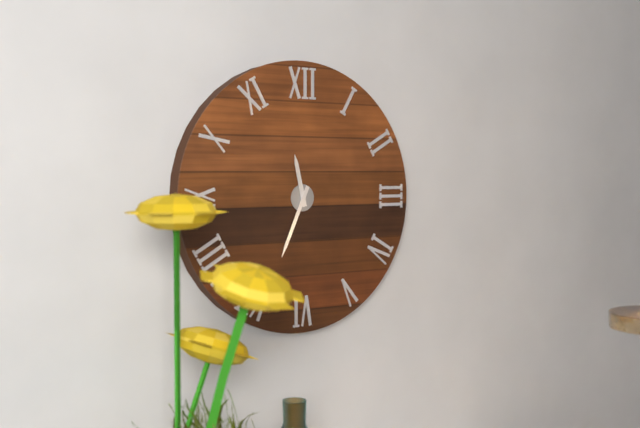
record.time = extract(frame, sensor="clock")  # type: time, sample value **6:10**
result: **11:34**
